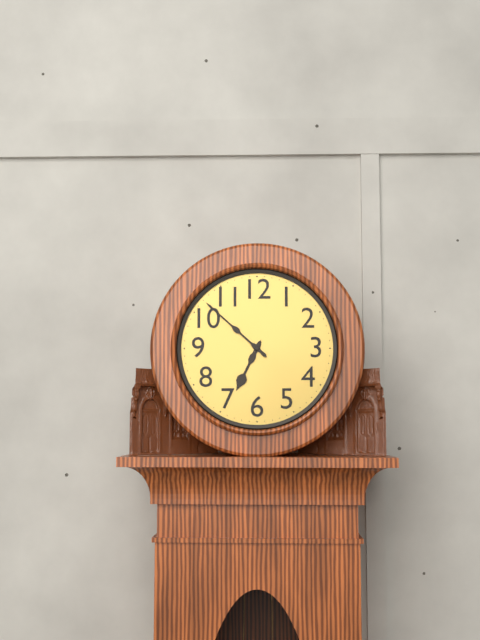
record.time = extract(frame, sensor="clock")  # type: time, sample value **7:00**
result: **6:52**
